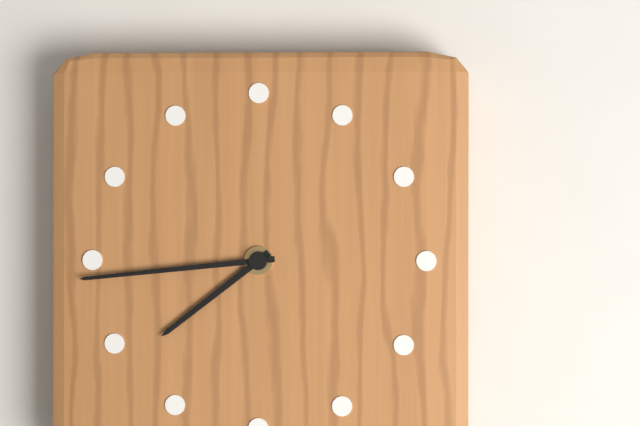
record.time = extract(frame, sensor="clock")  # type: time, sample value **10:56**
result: **7:44**
